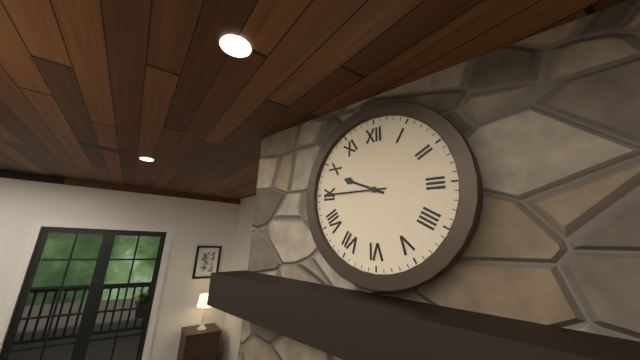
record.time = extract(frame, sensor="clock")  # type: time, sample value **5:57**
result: **9:45**
